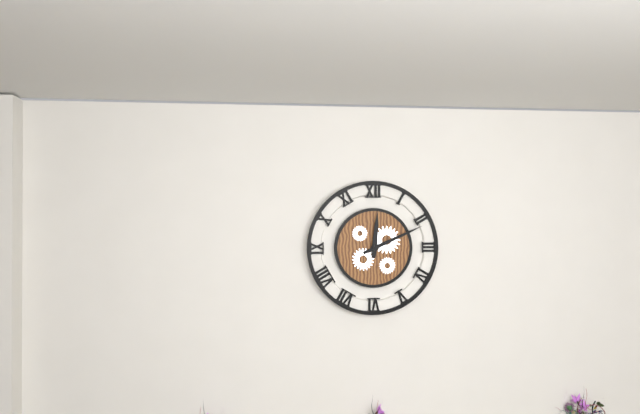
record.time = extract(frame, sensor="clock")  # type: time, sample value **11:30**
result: **12:11**
